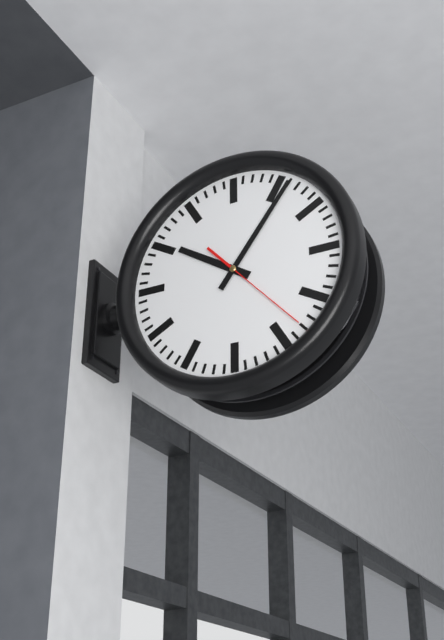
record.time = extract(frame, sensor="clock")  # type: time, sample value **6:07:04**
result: **10:06:23**
